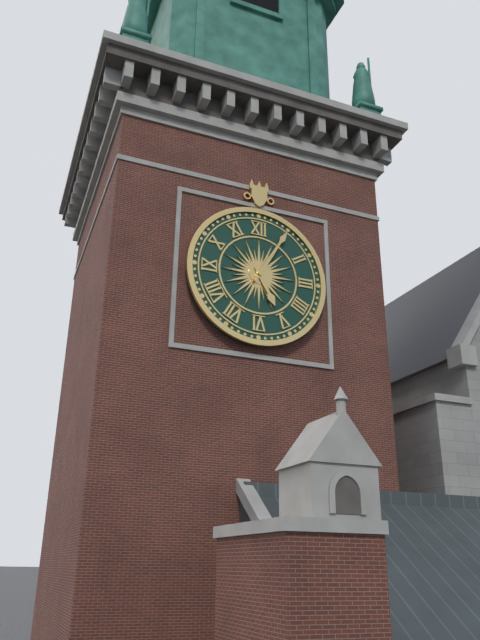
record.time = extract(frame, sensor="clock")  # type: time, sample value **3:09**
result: **5:05**
